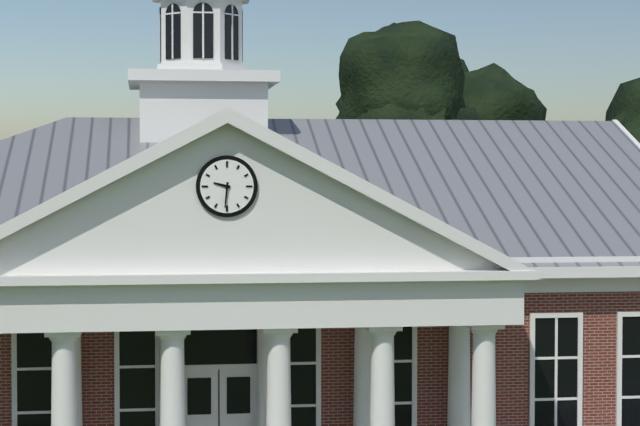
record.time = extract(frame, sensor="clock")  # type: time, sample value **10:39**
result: **9:31**
